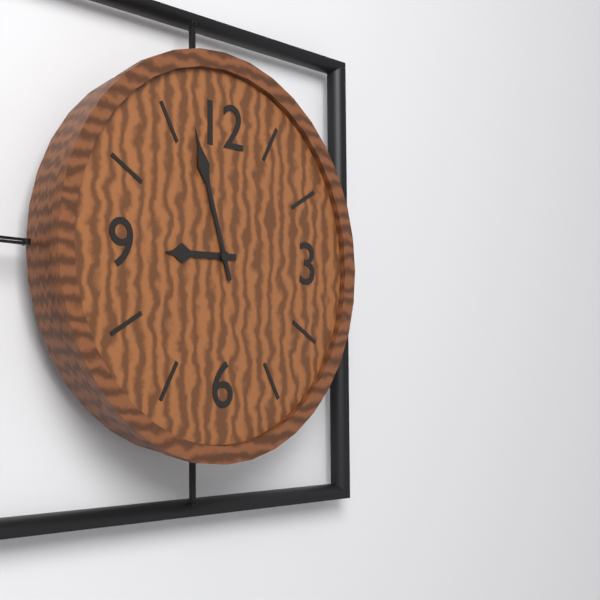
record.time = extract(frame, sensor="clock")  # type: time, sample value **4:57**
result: **8:57**
